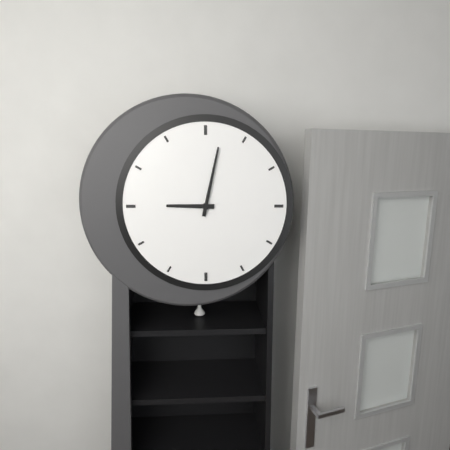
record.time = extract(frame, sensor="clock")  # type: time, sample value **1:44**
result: **9:02**
